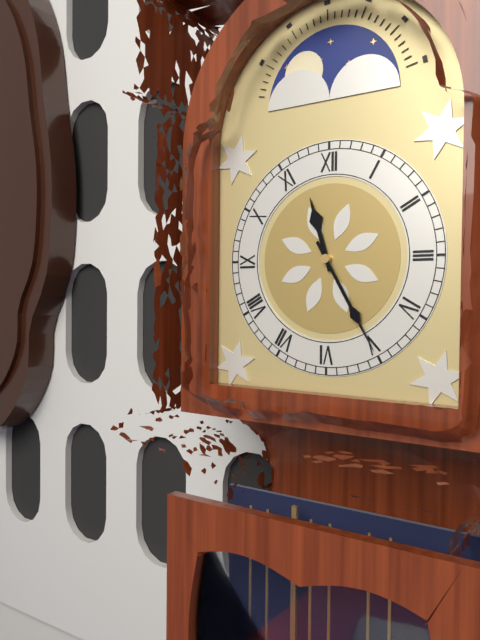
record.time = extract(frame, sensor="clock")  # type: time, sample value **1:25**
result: **11:25**
